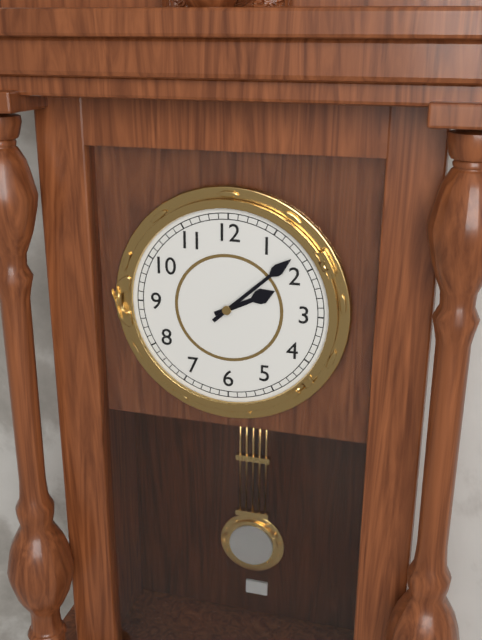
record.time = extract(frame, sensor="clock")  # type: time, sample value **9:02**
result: **2:08**
